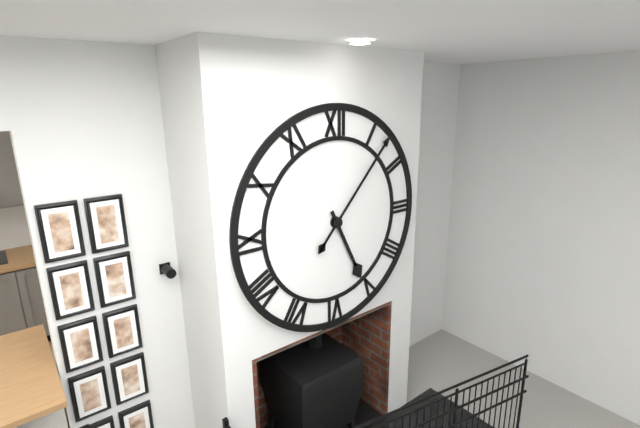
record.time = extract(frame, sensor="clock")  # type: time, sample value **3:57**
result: **5:07**
